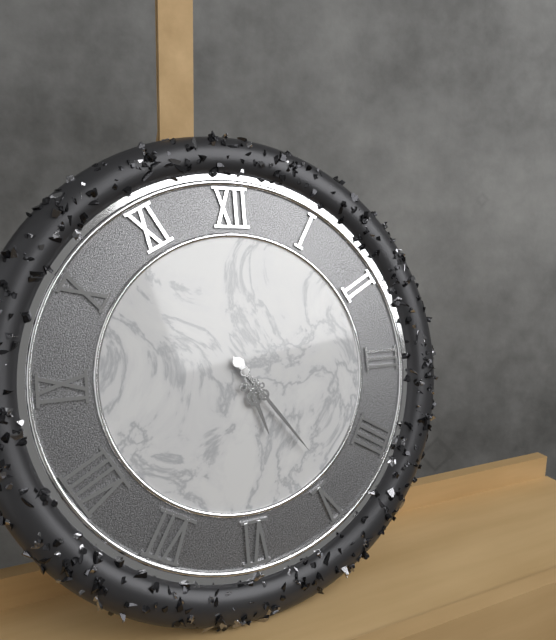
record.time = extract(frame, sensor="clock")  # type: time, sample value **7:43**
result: **5:24**
